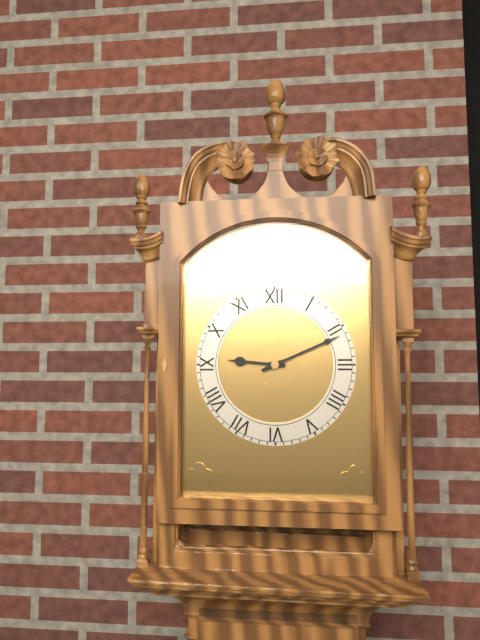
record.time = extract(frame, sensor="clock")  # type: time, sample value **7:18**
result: **9:11**
